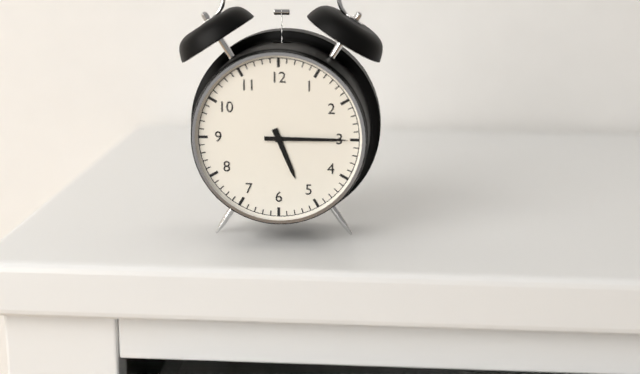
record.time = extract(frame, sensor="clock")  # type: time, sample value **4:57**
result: **5:15**
